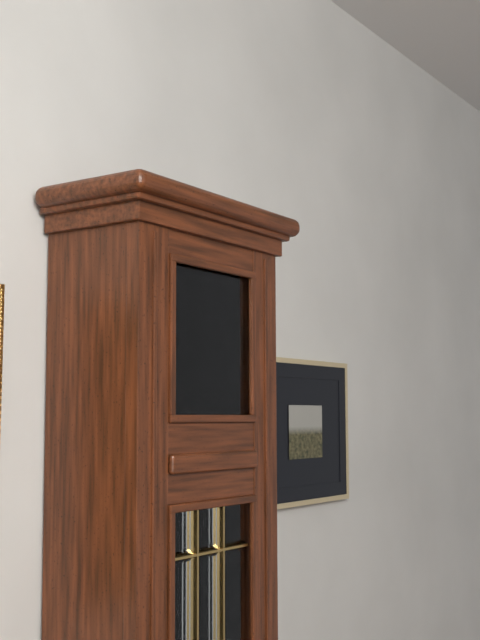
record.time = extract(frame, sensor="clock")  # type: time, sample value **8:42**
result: **6:51**
